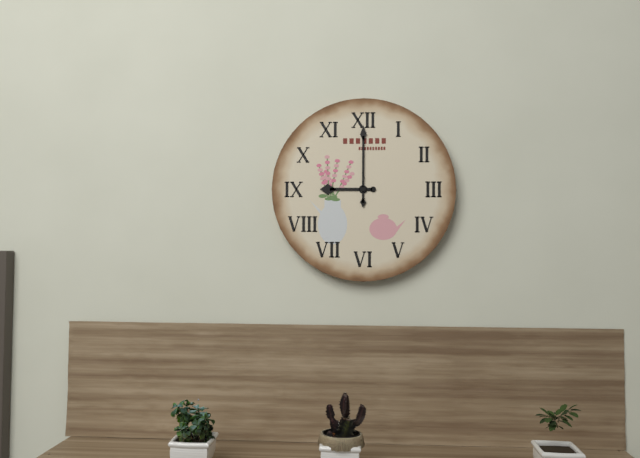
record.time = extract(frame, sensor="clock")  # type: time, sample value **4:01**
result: **9:00**
